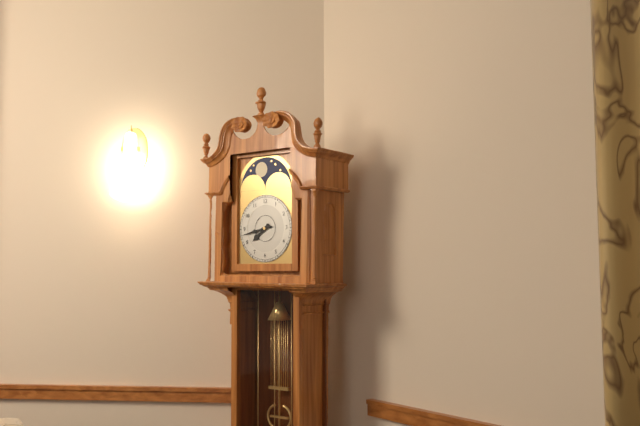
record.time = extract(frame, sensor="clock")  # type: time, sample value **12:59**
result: **7:43**
